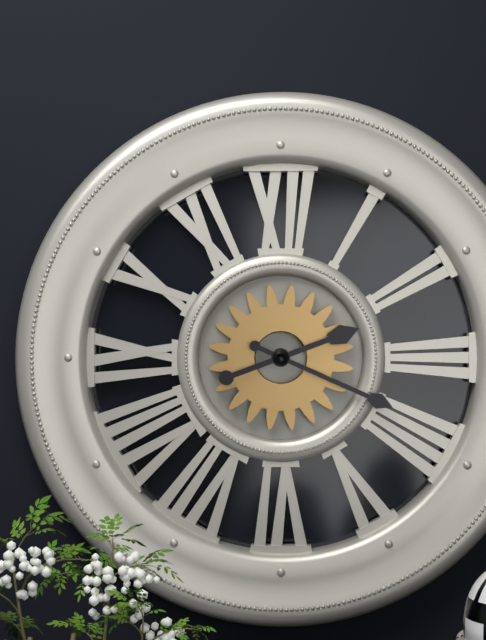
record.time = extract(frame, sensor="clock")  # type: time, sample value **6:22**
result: **2:19**
